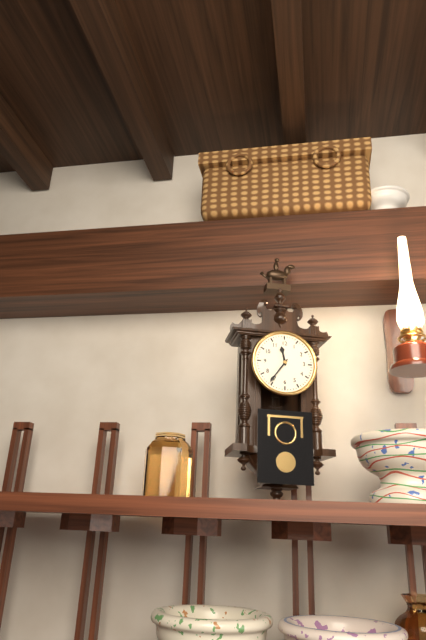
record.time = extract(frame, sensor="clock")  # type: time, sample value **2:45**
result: **11:36**
